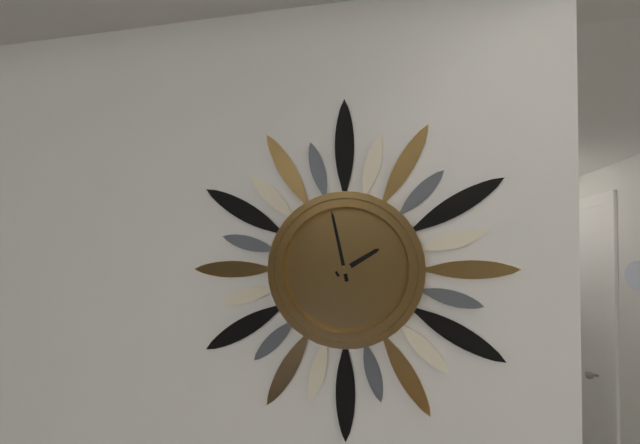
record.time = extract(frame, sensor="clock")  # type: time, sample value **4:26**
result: **1:58**
